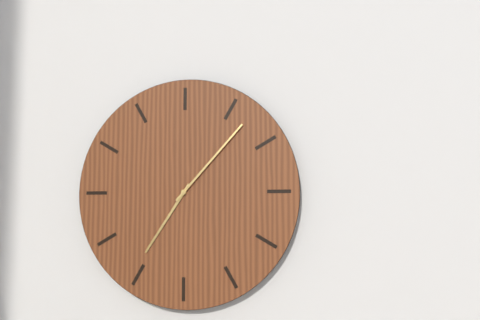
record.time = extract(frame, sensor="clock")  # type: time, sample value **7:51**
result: **7:07**
